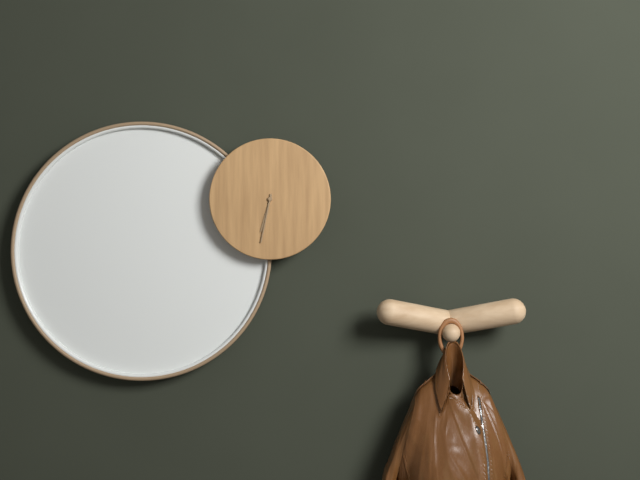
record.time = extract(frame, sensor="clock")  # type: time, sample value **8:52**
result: **6:32**
